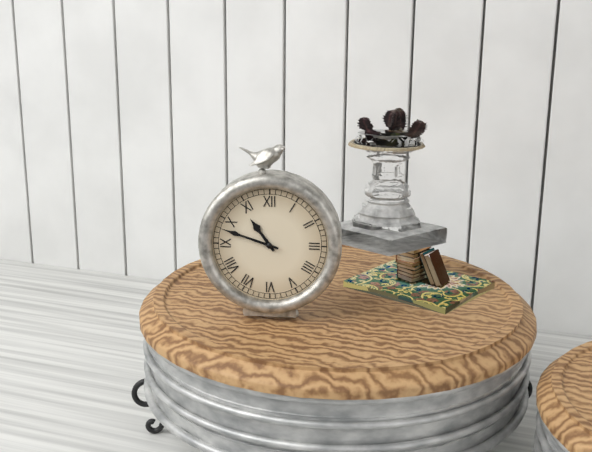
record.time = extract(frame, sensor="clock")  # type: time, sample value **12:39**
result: **10:48**
